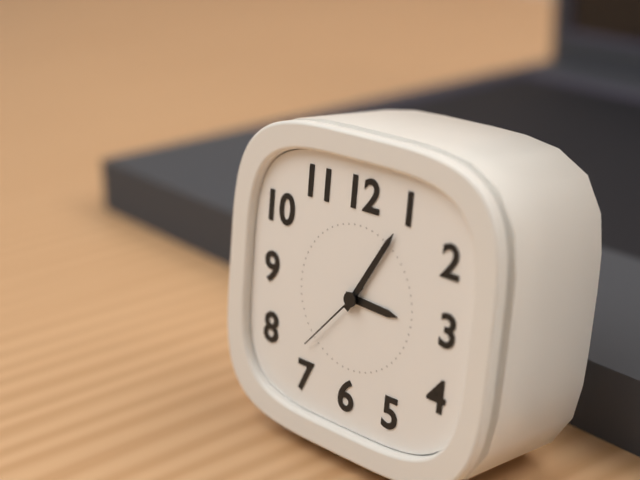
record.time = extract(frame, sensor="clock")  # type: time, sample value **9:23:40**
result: **3:05:37**
